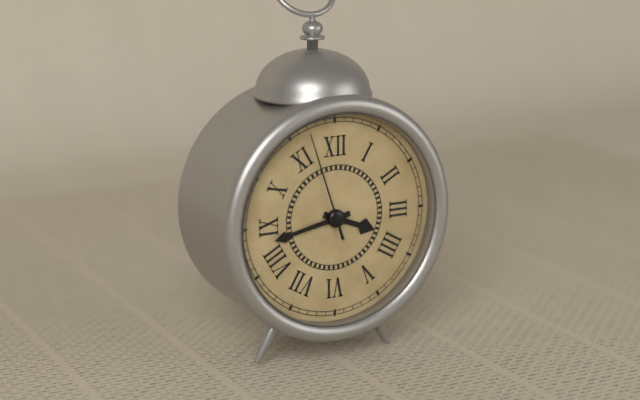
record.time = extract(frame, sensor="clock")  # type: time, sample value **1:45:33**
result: **3:43:57**
